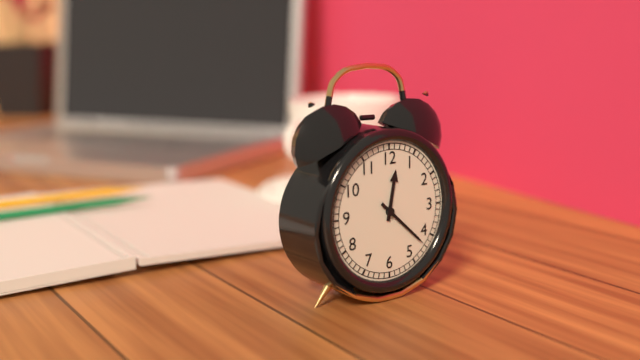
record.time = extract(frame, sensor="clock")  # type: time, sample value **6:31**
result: **12:22**
